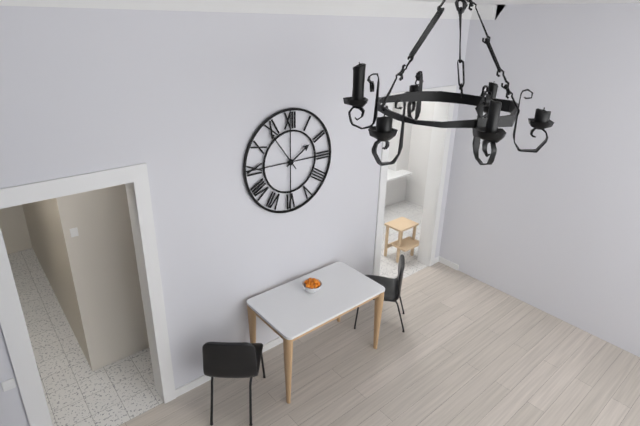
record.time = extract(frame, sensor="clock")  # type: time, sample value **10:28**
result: **1:54**
